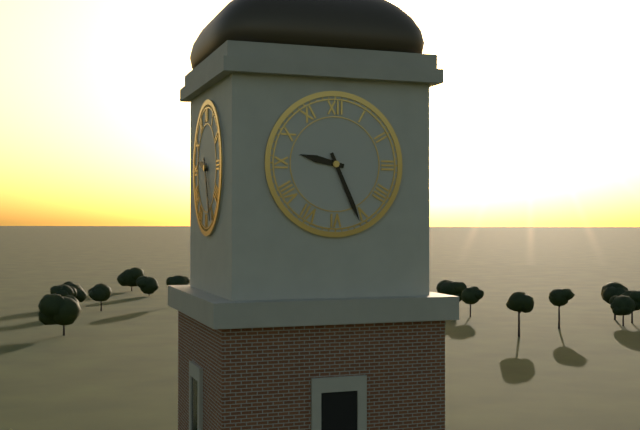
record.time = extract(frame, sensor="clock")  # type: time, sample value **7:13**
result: **9:26**
